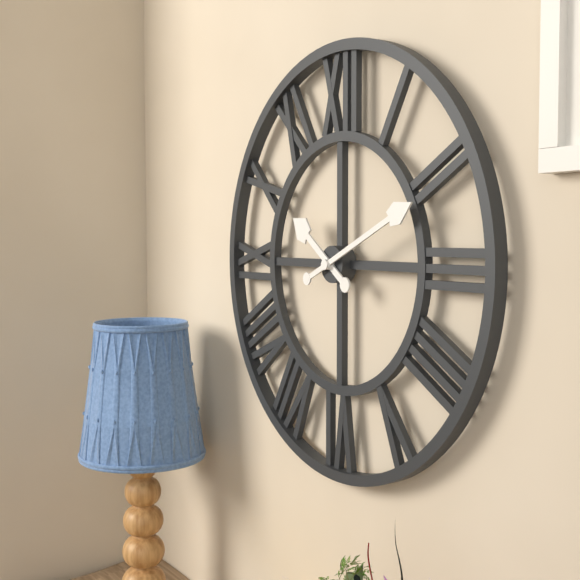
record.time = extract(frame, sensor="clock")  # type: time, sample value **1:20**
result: **10:11**
